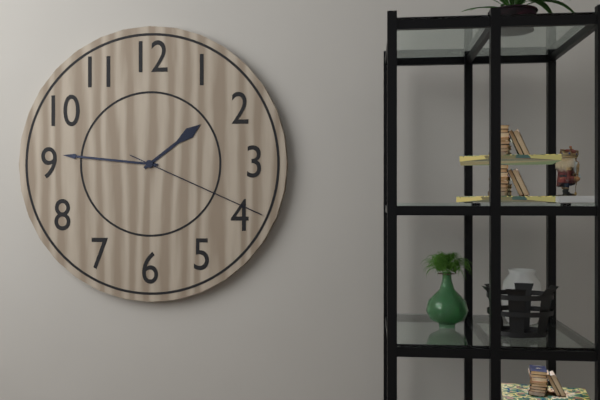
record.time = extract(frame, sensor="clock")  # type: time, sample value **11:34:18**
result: **1:46:19**
